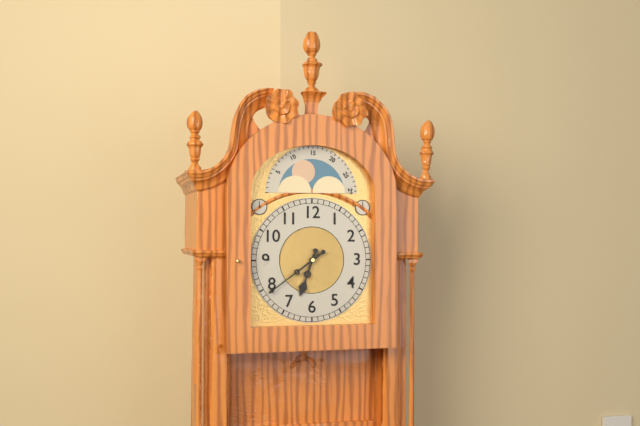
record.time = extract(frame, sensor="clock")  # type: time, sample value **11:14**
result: **6:39**
